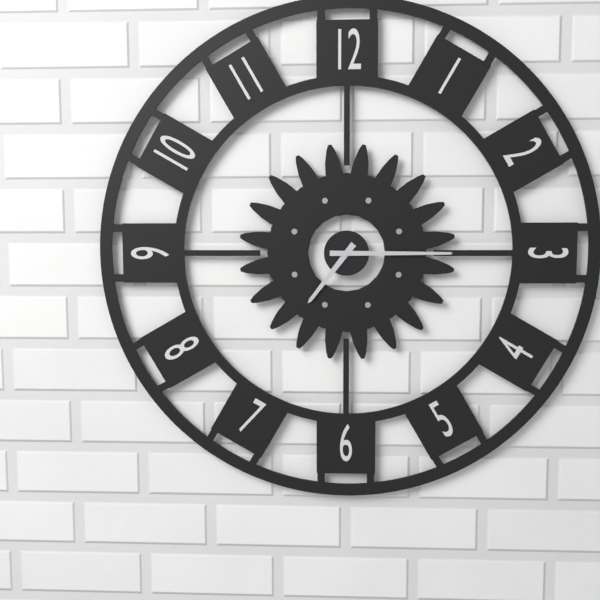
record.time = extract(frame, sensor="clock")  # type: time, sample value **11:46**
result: **7:15**
